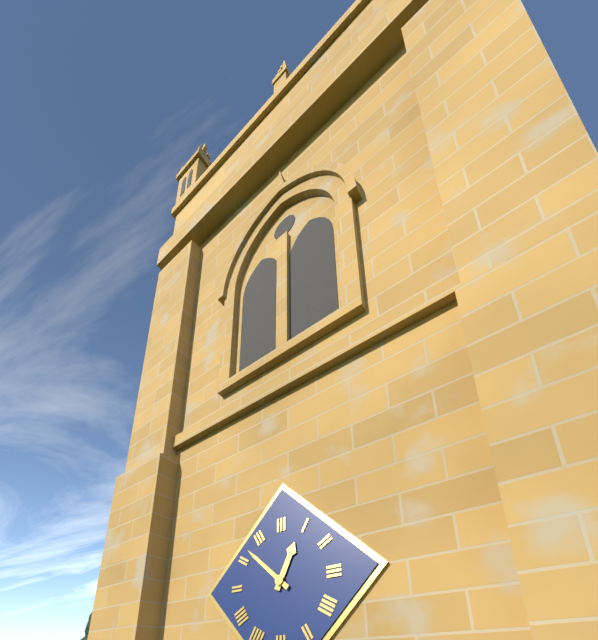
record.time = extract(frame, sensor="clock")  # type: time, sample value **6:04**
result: **12:52**
